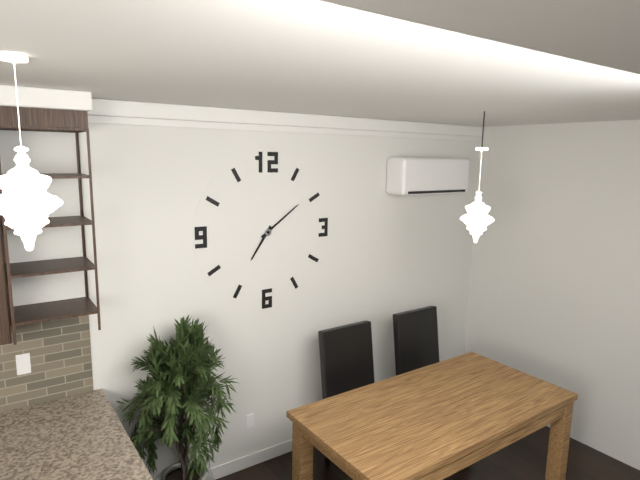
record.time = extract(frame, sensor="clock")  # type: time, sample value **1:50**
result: **7:09**
